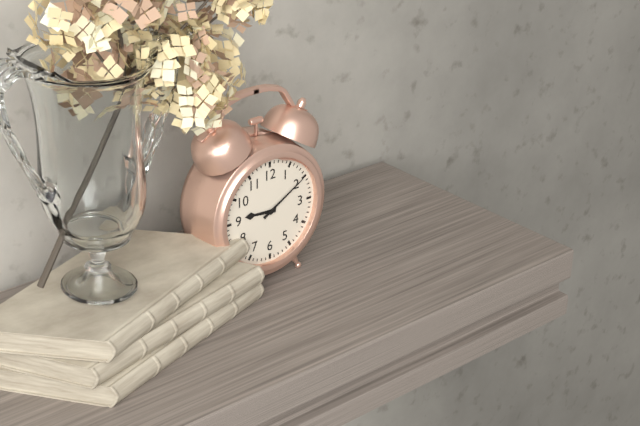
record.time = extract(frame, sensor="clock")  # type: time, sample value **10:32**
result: **9:10**
